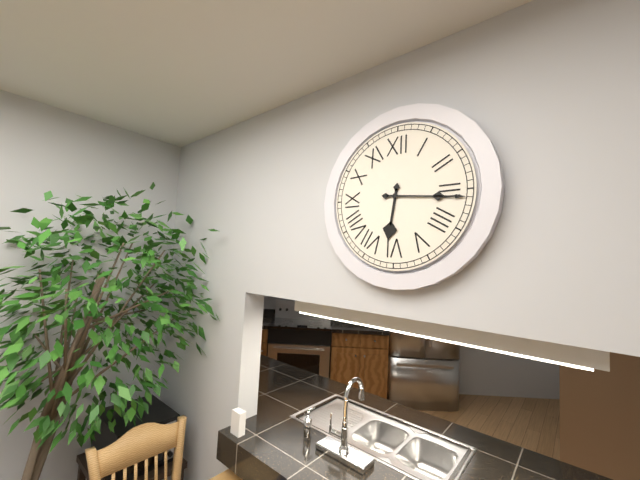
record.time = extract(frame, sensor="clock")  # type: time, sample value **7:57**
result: **6:16**
